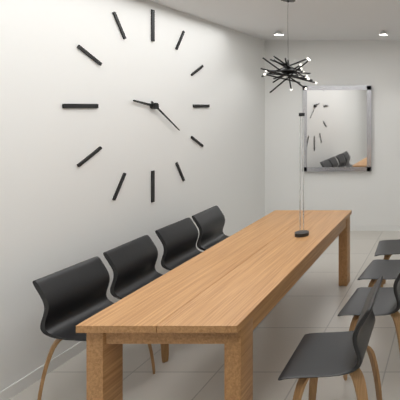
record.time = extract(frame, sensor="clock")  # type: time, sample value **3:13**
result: **9:21**
